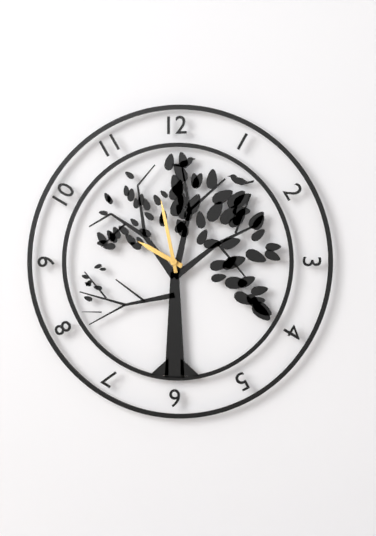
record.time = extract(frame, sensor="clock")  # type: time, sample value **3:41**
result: **9:58**
